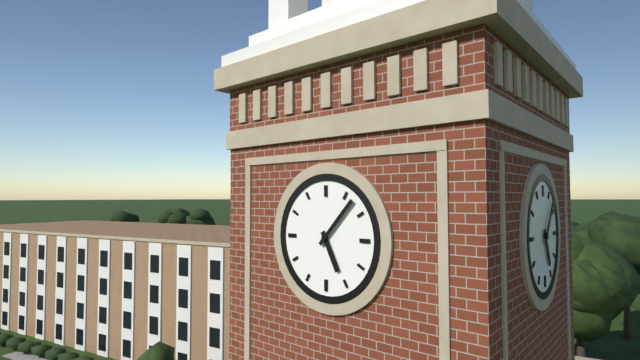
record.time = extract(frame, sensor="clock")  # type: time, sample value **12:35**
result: **5:07**
